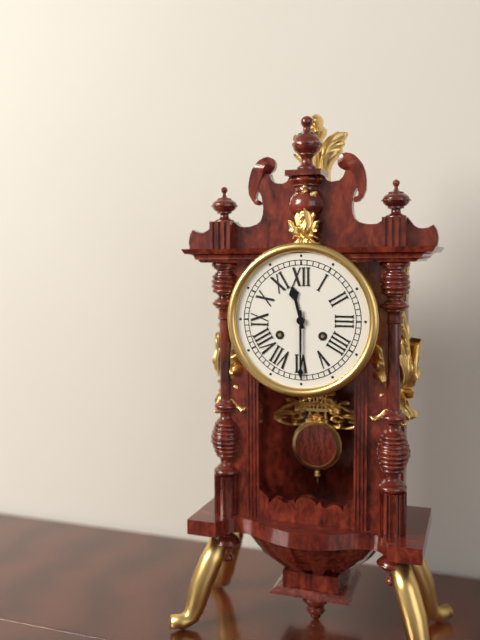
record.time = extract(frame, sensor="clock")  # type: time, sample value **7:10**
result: **11:30**
